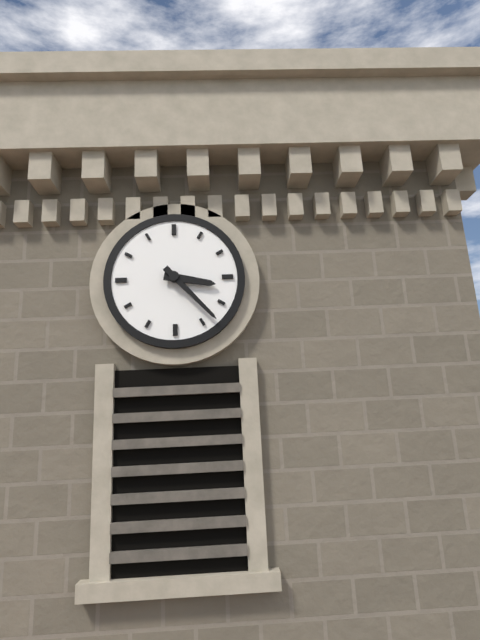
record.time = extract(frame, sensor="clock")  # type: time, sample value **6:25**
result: **3:23**
